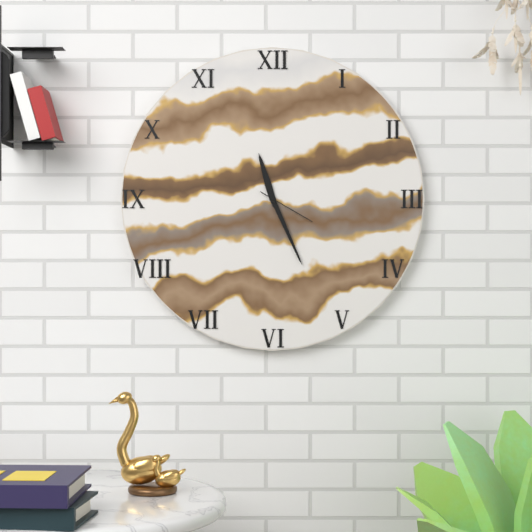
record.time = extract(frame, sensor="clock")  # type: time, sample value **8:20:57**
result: **11:26:20**
